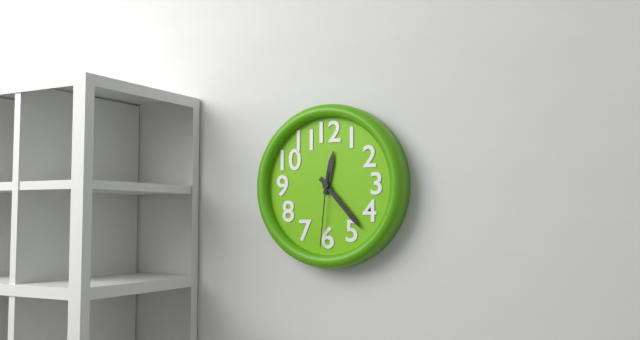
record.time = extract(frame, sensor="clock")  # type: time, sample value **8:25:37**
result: **12:23:31**
